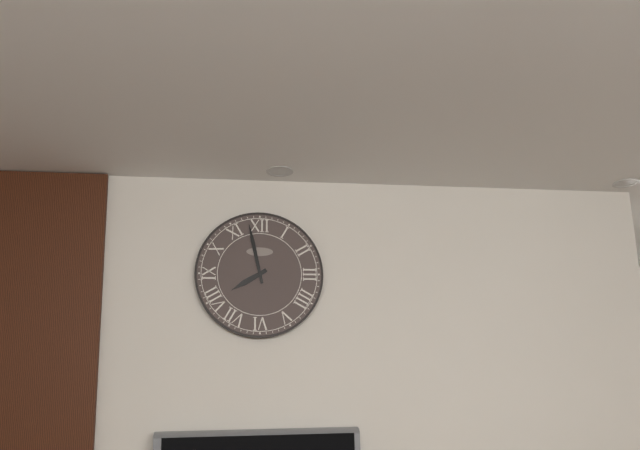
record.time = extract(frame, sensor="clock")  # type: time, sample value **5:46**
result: **7:58**
